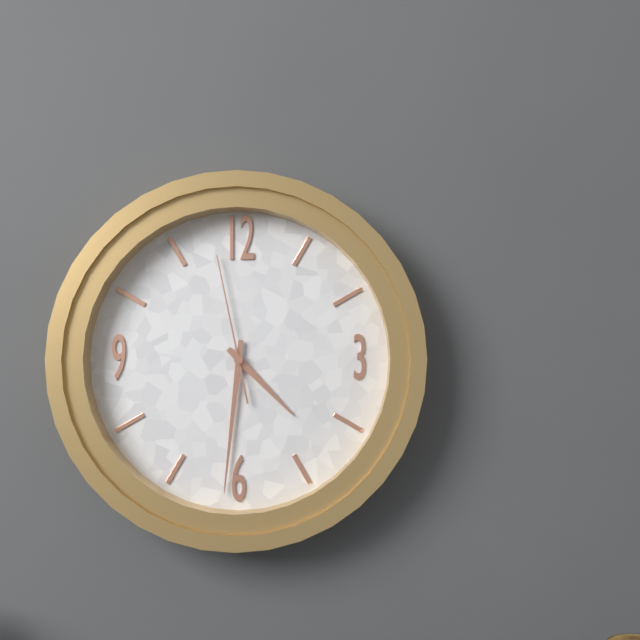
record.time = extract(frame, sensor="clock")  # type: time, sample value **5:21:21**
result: **4:31:58**
